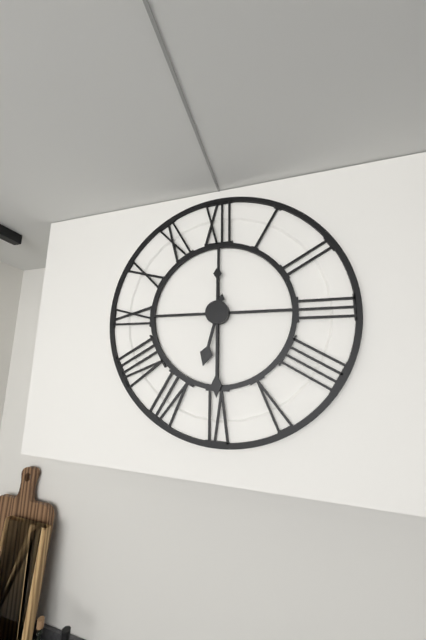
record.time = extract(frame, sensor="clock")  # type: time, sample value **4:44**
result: **6:30**
